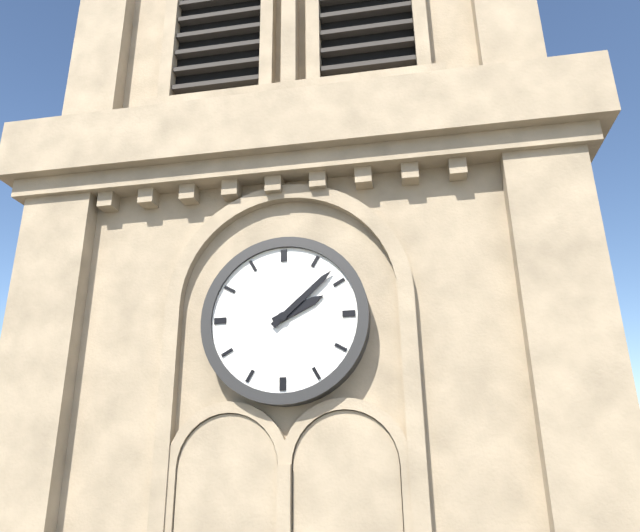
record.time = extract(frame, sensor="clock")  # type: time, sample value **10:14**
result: **2:08**
